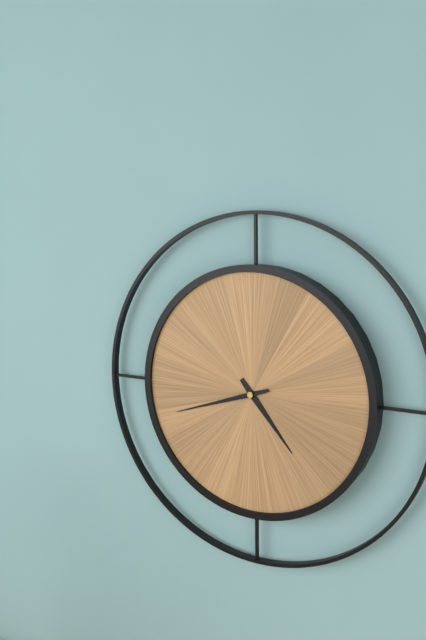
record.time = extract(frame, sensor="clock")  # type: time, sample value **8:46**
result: **4:42**
